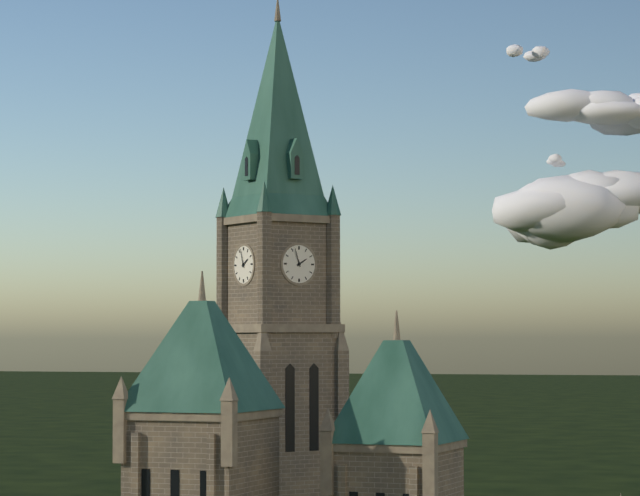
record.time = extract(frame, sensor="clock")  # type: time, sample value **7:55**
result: **1:57**
